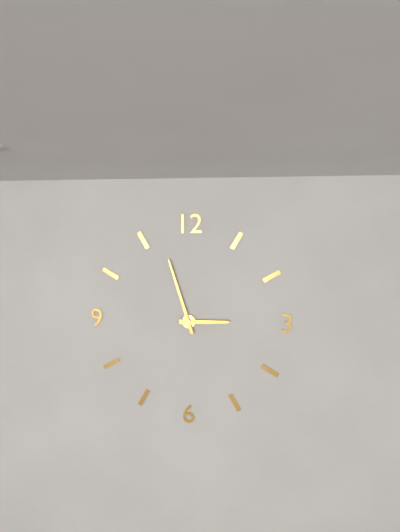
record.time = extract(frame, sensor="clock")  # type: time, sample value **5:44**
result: **2:57**
